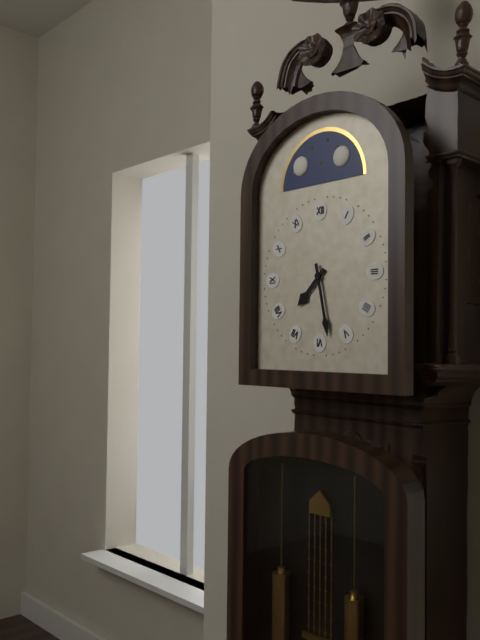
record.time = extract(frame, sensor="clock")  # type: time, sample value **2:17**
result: **7:28**
